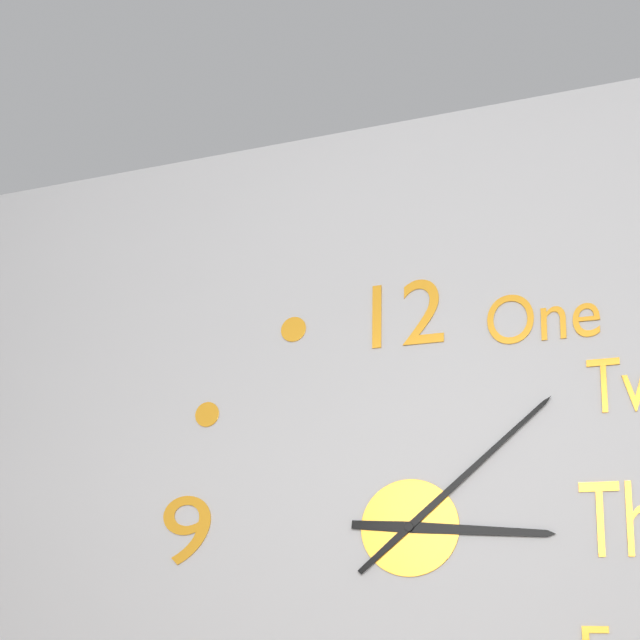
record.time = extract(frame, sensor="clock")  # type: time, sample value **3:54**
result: **3:08**
